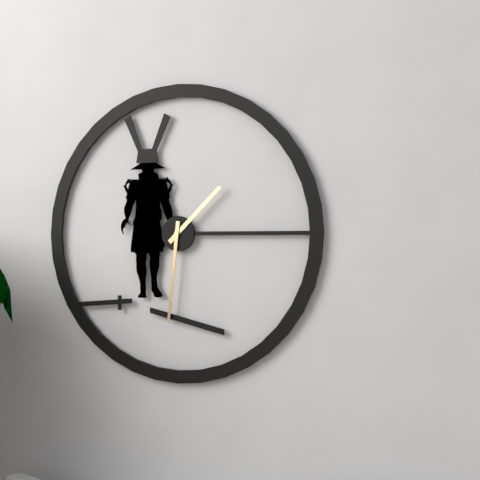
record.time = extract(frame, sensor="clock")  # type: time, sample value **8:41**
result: **1:31**
